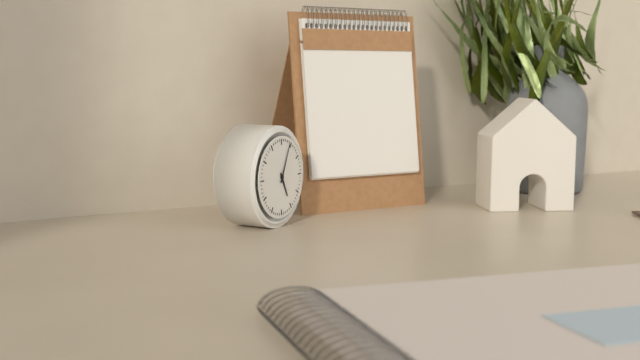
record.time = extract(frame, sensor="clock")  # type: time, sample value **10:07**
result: **5:04**
